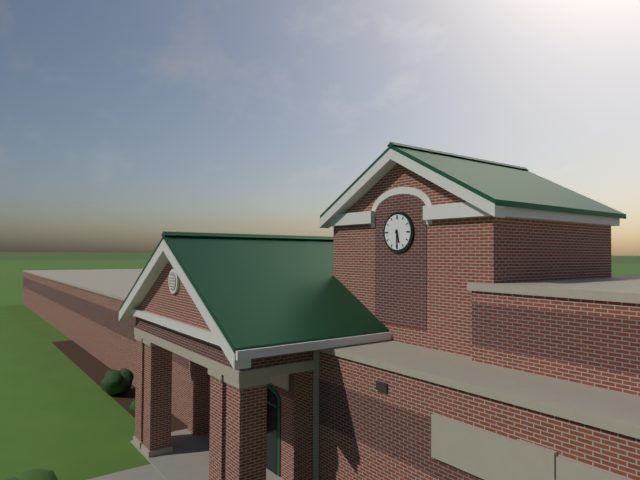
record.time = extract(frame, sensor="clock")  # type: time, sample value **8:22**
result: **5:30**
